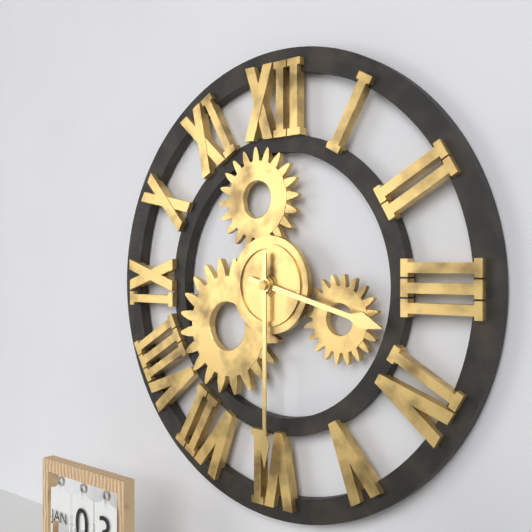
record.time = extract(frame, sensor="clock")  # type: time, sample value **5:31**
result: **3:30**
